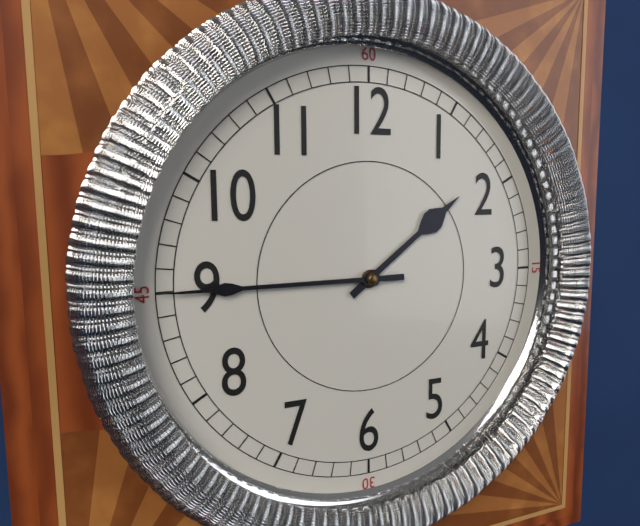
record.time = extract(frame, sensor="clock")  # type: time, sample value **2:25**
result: **1:45**
